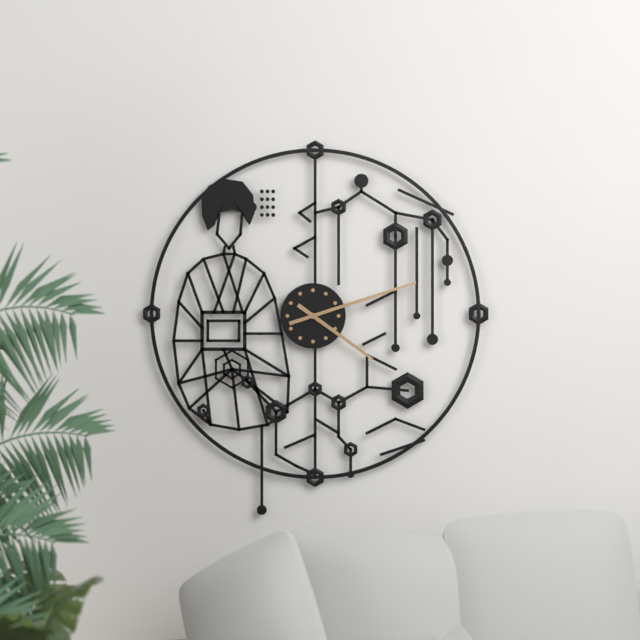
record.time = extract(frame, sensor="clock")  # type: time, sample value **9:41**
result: **4:12**
